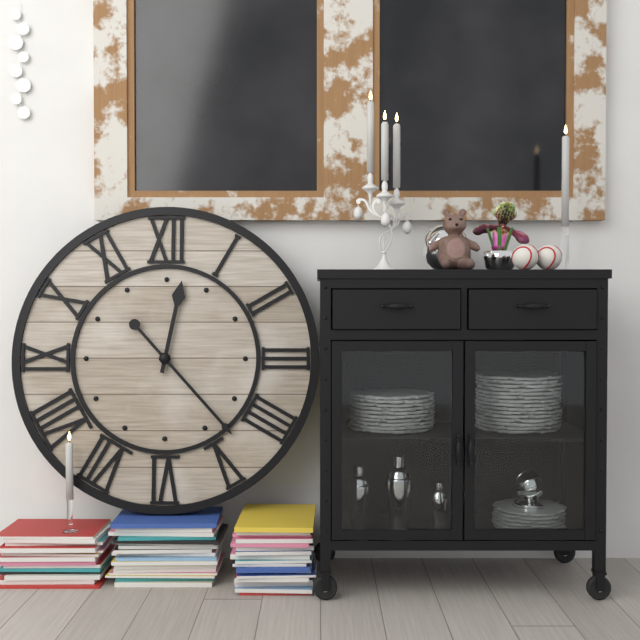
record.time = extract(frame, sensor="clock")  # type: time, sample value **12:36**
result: **12:23**
